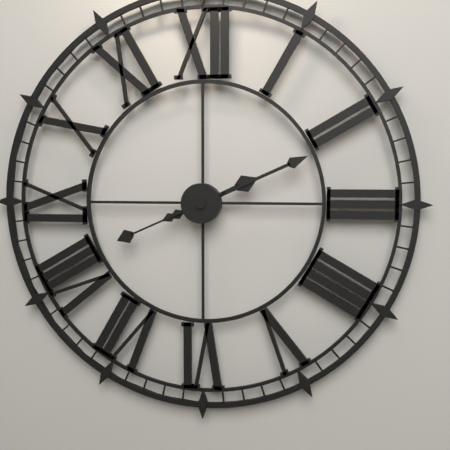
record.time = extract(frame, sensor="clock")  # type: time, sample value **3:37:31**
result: **2:11:41**
